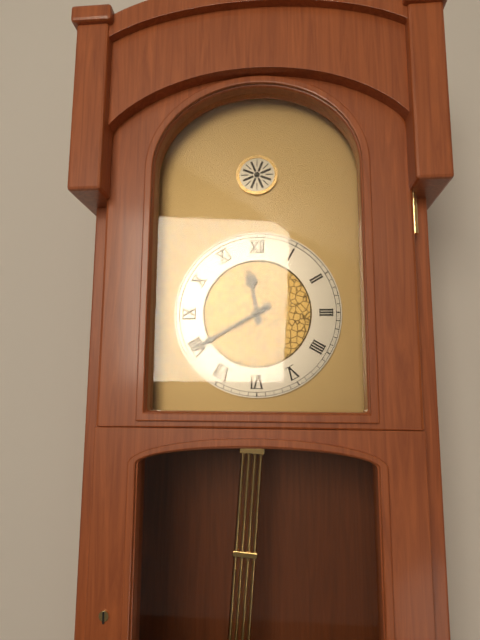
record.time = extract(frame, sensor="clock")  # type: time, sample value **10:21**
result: **11:40**
